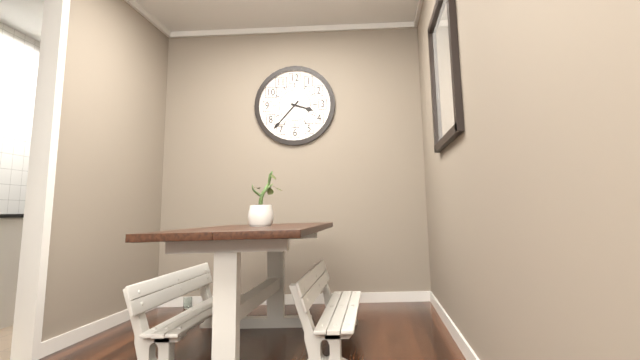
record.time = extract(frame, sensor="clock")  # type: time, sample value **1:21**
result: **3:37**
